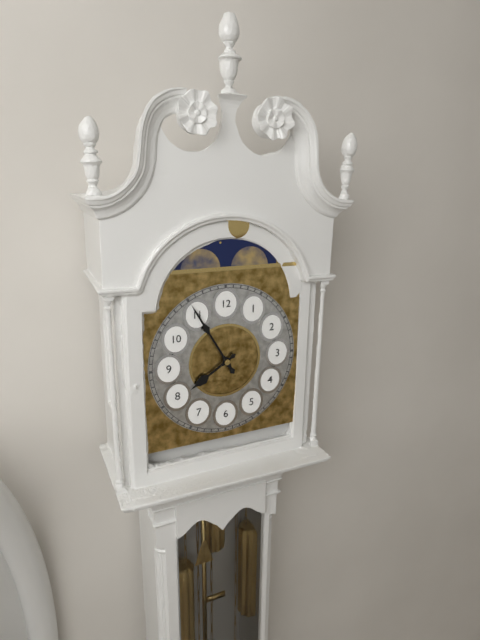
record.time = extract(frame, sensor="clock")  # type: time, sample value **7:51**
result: **7:55**
